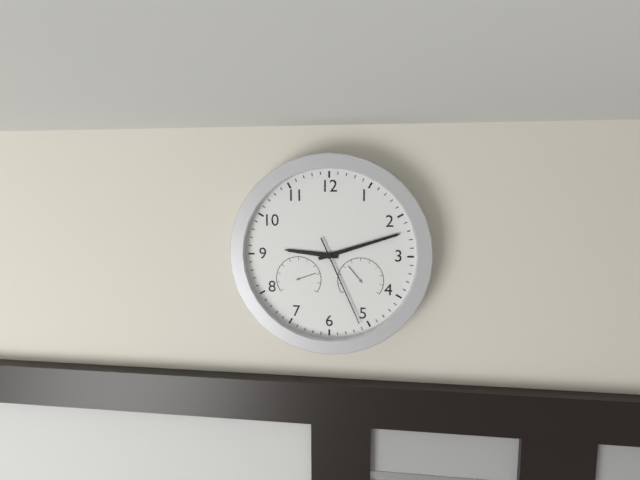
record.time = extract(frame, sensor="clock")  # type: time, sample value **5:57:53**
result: **9:12:26**
